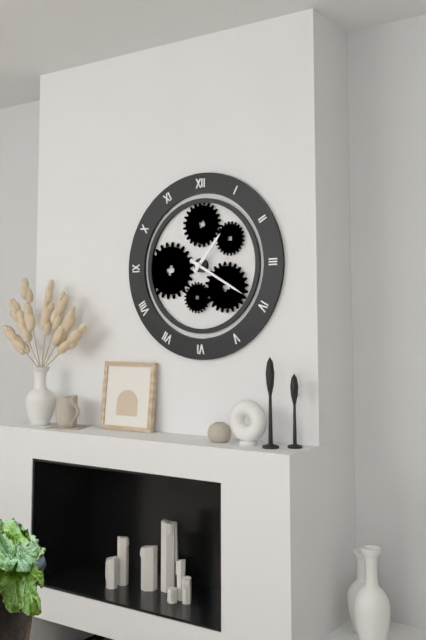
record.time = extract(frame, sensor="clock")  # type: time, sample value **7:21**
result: **1:20**
